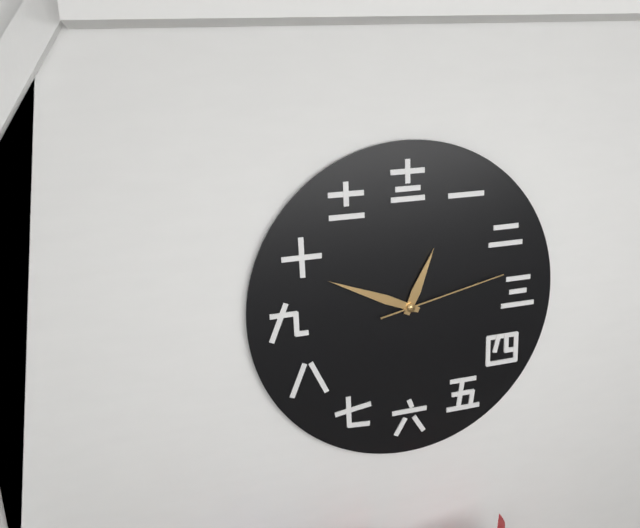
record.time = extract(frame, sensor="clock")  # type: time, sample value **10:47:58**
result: **12:49:13**
